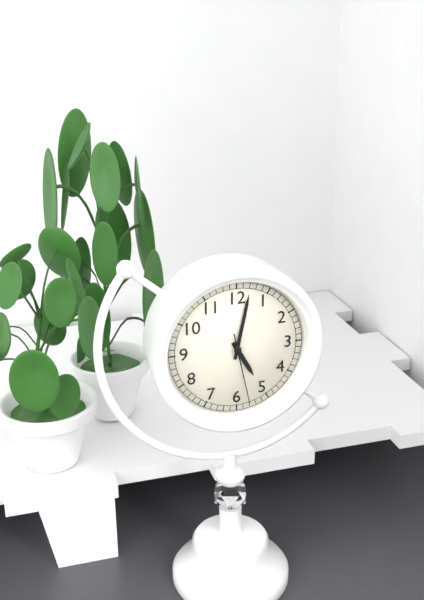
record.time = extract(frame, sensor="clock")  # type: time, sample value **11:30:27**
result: **5:02:28**
